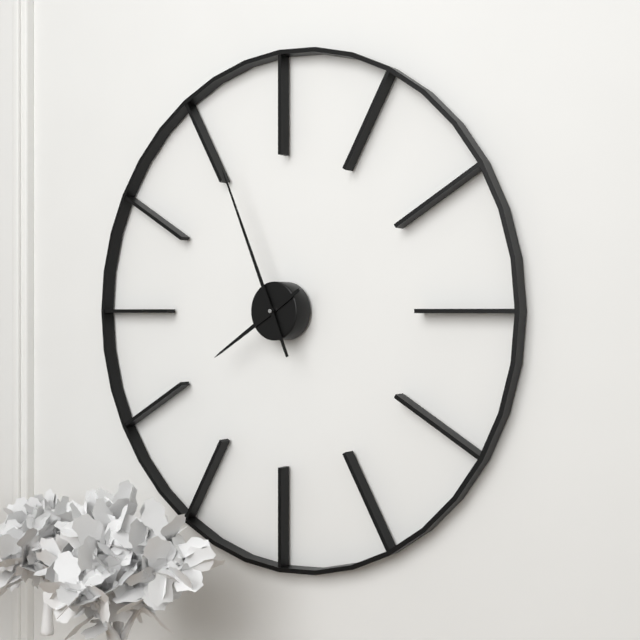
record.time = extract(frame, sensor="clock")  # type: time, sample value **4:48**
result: **7:56**
